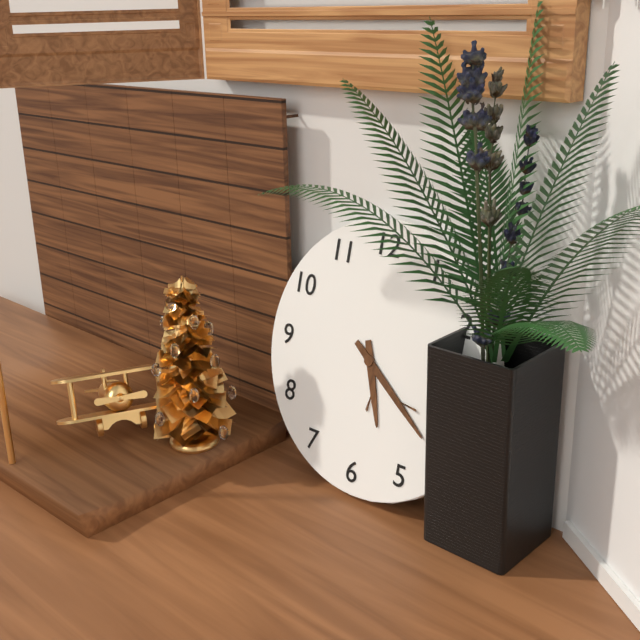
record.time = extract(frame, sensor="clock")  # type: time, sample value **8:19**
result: **5:21**
